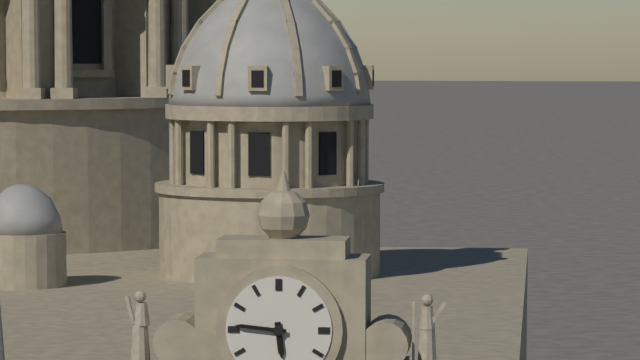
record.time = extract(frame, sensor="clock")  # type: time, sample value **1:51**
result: **5:46**
